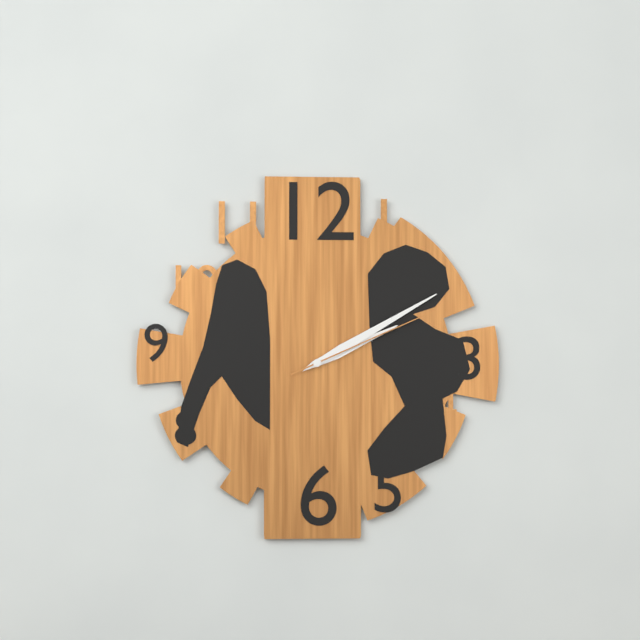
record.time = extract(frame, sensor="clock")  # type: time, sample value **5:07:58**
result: **2:10:11**
